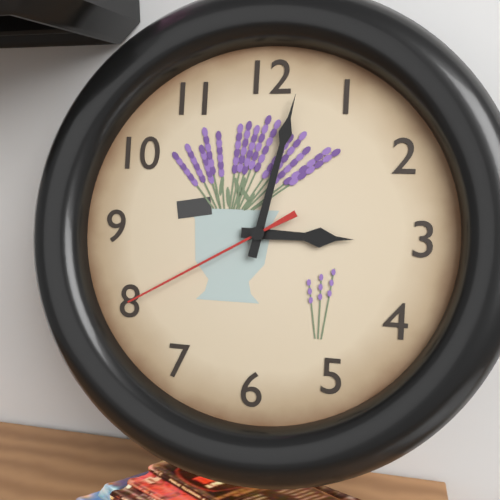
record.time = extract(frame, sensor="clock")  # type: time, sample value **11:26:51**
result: **3:02:40**
